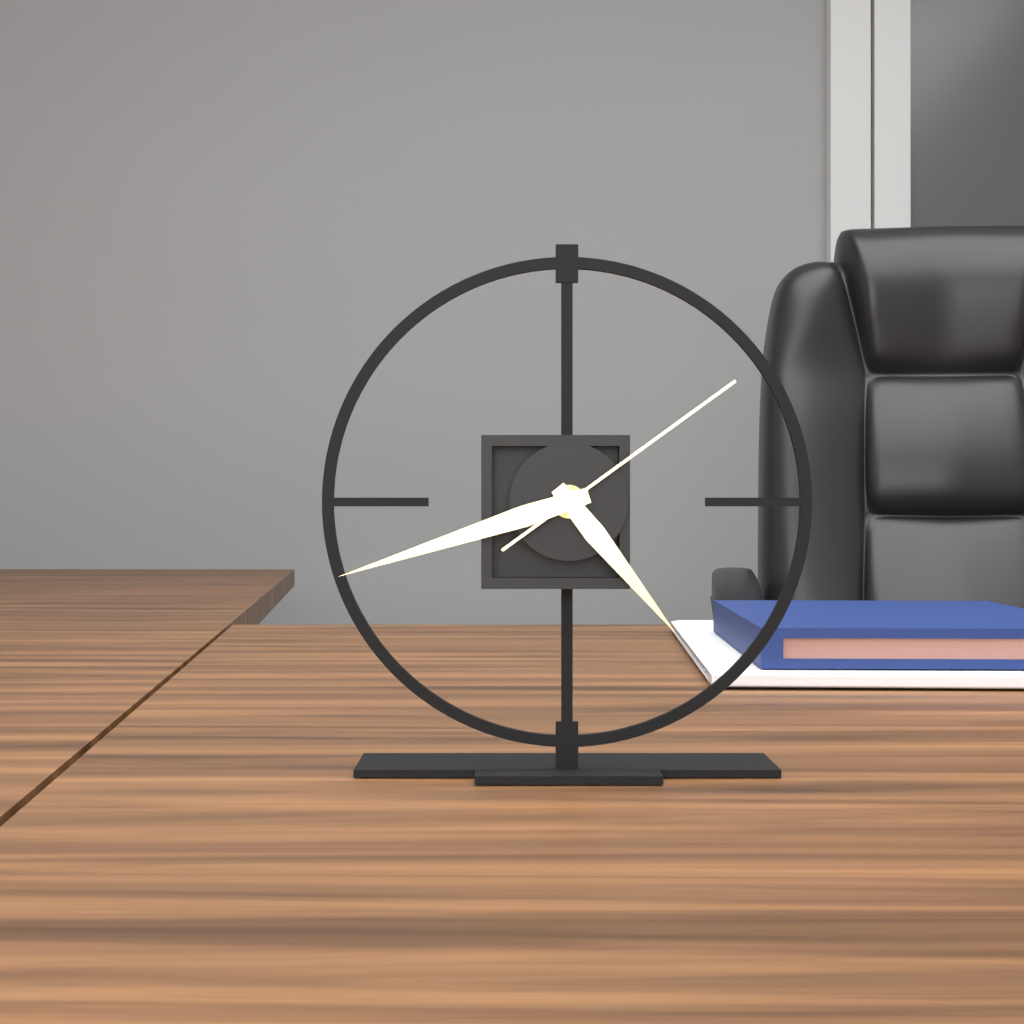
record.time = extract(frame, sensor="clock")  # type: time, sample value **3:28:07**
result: **4:42:09**
